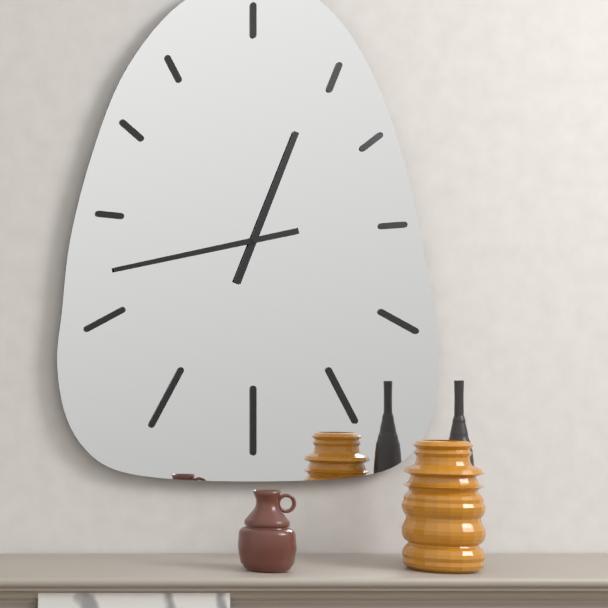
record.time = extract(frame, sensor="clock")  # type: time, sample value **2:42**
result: **12:43**
